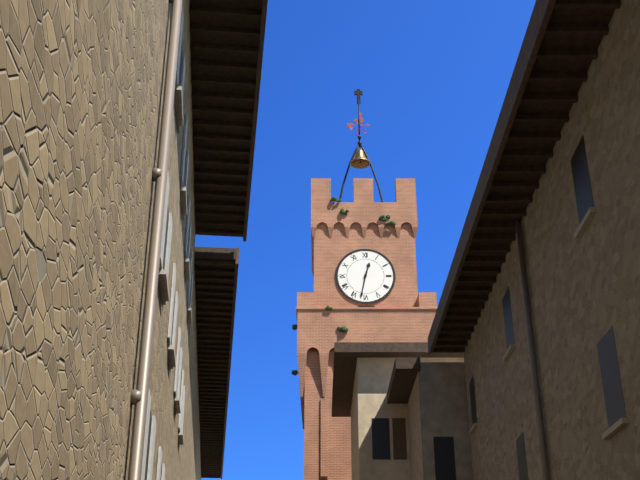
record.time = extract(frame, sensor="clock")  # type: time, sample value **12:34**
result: **12:32**
